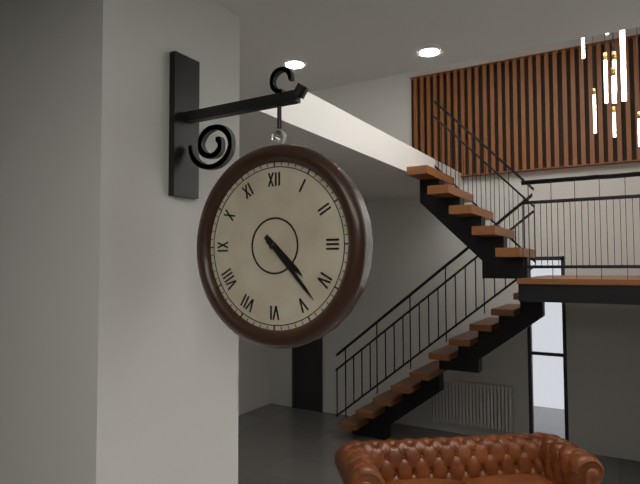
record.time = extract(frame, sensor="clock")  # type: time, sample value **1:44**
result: **4:23**
